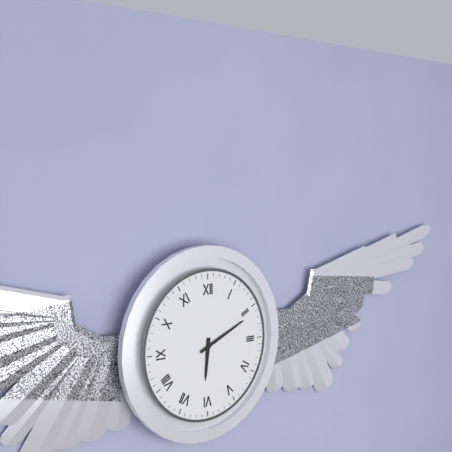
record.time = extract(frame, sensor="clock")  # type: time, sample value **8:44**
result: **6:11**
